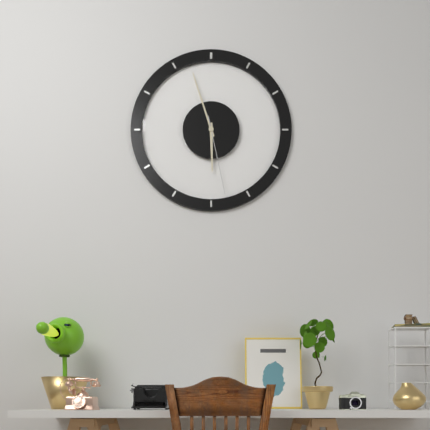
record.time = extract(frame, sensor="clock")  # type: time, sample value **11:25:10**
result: **5:57:28**
